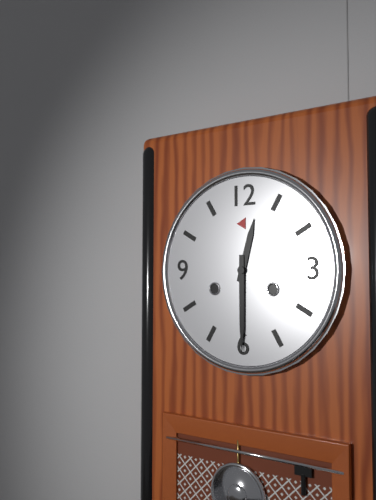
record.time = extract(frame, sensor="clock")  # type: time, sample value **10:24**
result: **12:30**
